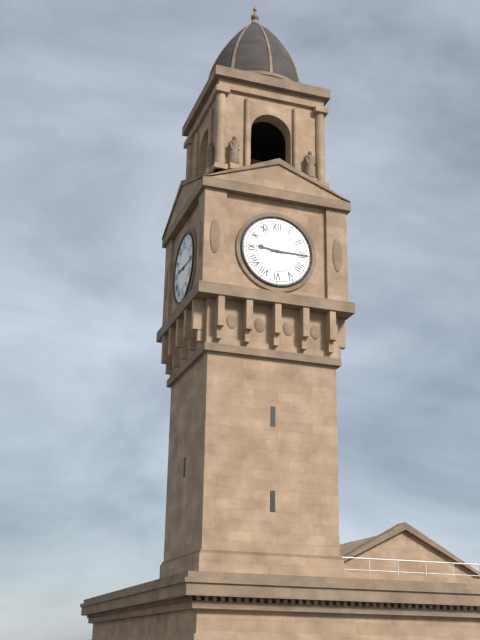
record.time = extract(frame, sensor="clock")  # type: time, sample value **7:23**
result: **9:15**
